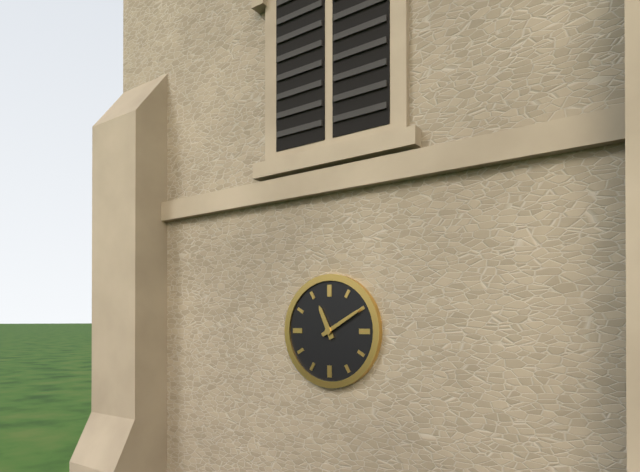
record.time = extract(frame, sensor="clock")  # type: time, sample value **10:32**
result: **11:10**
